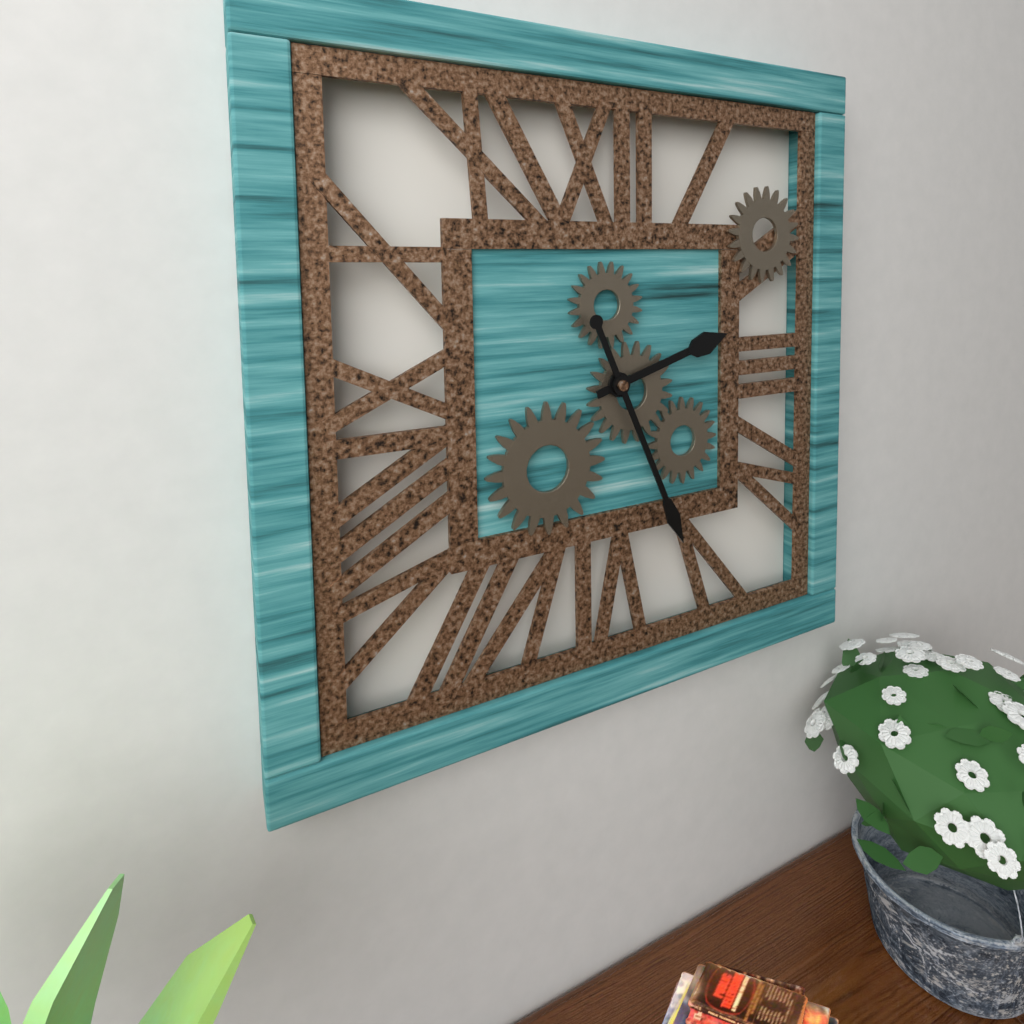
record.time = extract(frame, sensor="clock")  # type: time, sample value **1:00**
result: **2:26**
